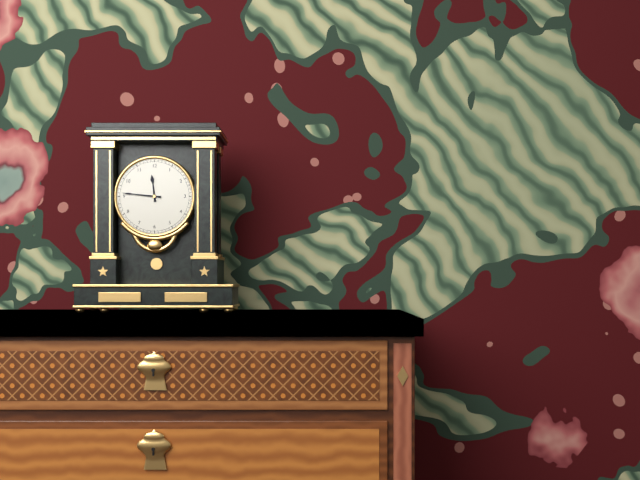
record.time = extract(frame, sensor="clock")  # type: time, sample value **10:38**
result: **11:46**
